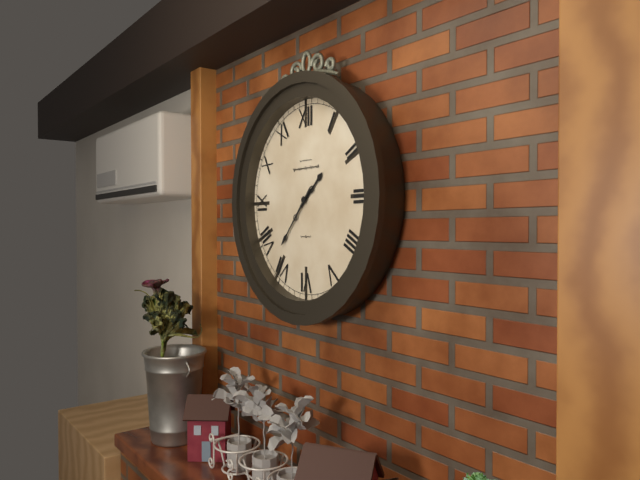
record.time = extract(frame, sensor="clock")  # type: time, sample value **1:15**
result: **1:37**
